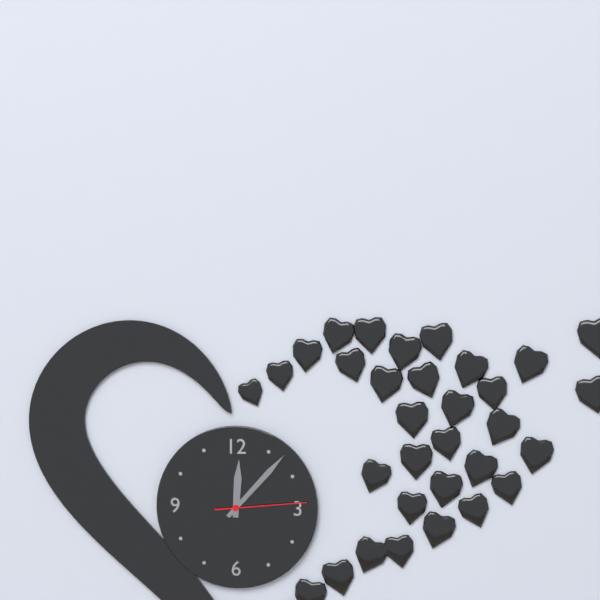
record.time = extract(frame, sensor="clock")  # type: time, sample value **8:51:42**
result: **12:07:14**
